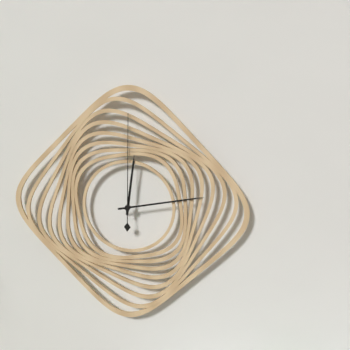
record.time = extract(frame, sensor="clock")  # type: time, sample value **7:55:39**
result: **12:13:00**
